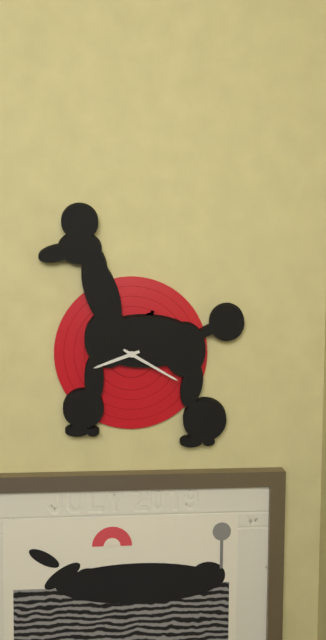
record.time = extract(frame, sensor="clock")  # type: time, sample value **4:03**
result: **8:20**
